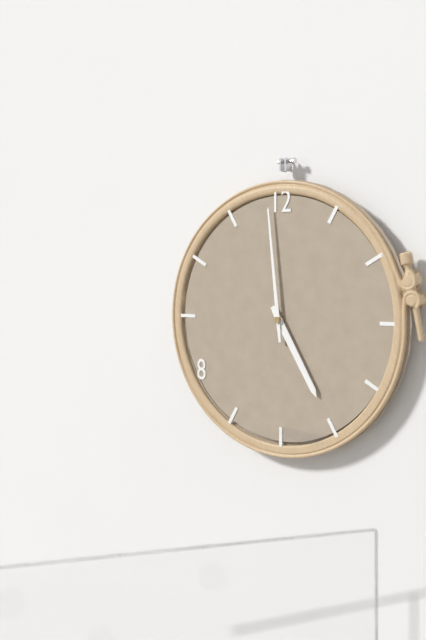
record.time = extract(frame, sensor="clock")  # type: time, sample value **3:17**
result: **4:59**
